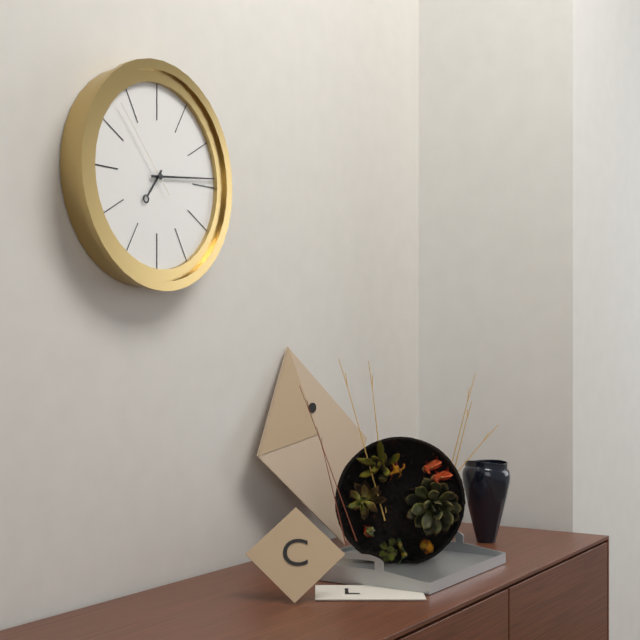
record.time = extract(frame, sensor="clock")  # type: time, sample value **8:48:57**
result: **7:14:53**
